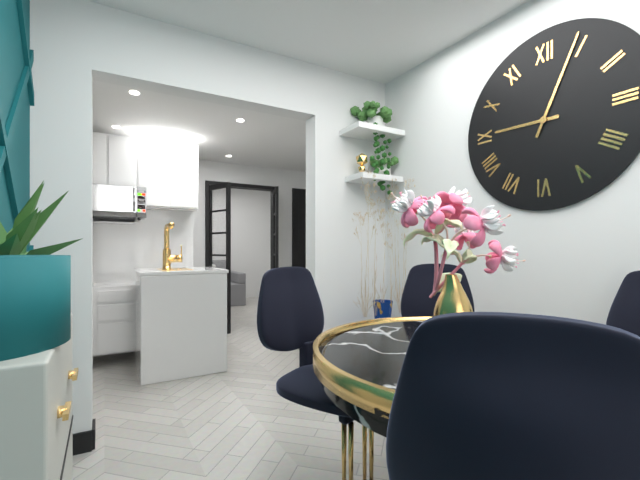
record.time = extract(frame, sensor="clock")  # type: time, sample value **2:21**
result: **9:04**
